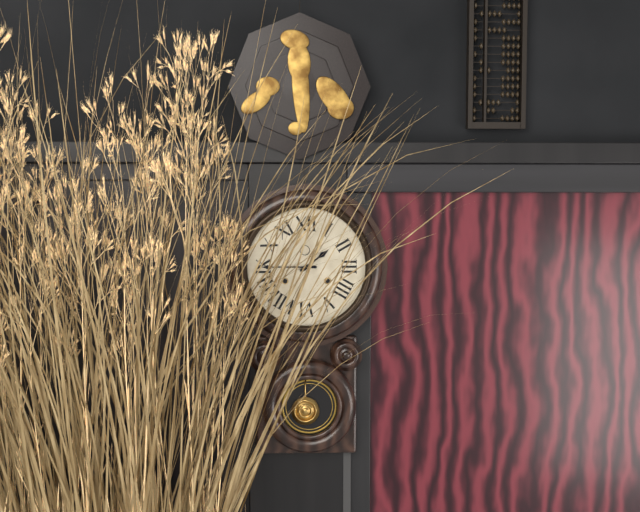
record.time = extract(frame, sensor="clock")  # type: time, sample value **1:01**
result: **1:45**
